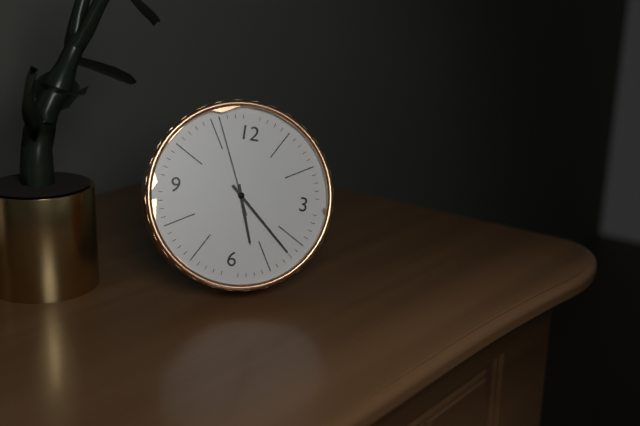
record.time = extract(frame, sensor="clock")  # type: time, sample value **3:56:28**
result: **5:22:56**
